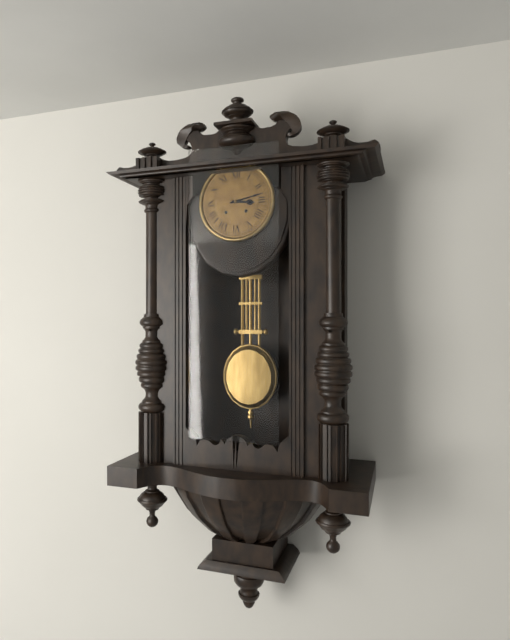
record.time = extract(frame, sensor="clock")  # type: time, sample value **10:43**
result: **3:13**
